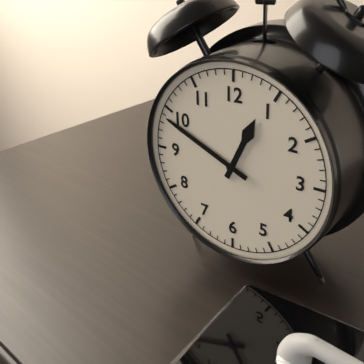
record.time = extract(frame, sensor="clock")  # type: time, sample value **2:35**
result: **12:49**
